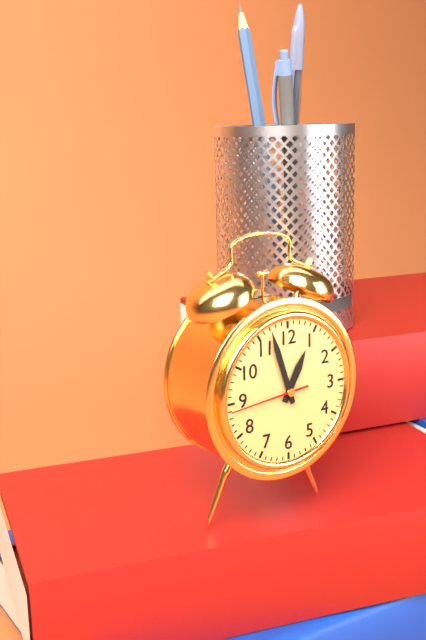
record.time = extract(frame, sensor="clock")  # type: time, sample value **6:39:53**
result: **12:57:44**
